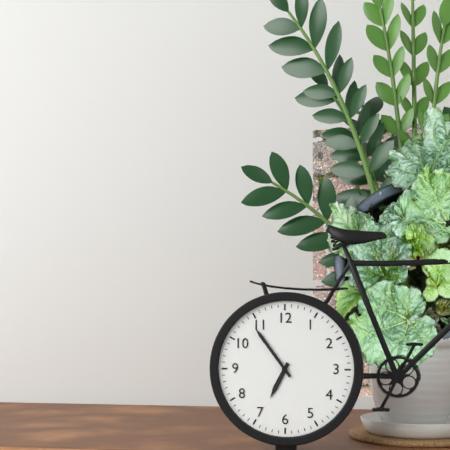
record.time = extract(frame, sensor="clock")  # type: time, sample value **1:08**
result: **6:54**
